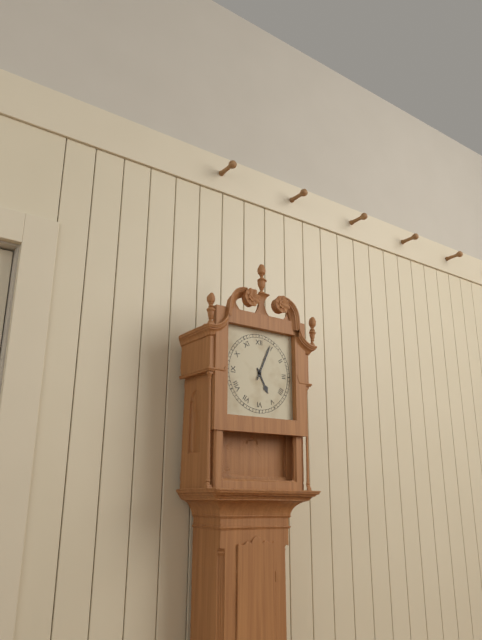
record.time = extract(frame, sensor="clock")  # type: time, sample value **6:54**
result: **5:04**
